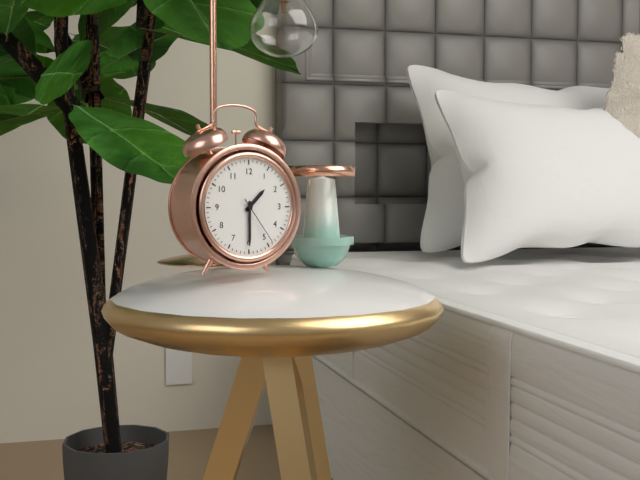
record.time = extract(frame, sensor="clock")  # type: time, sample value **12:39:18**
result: **1:30:24**
